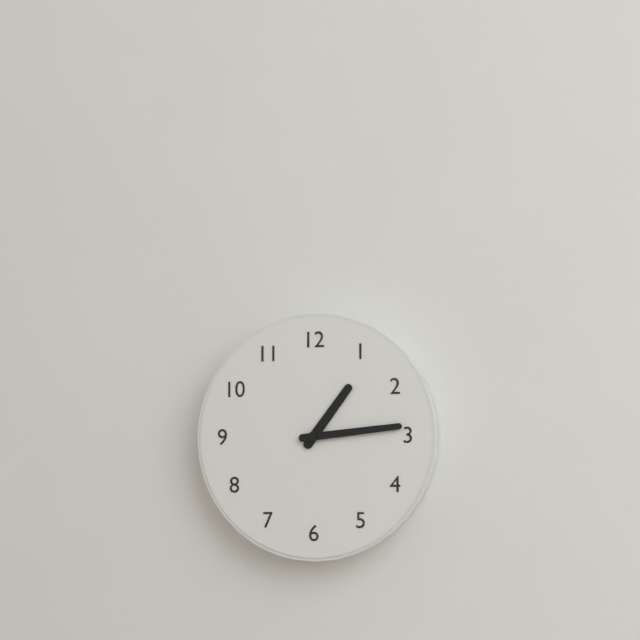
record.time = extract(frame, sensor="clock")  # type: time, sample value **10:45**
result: **1:14**
